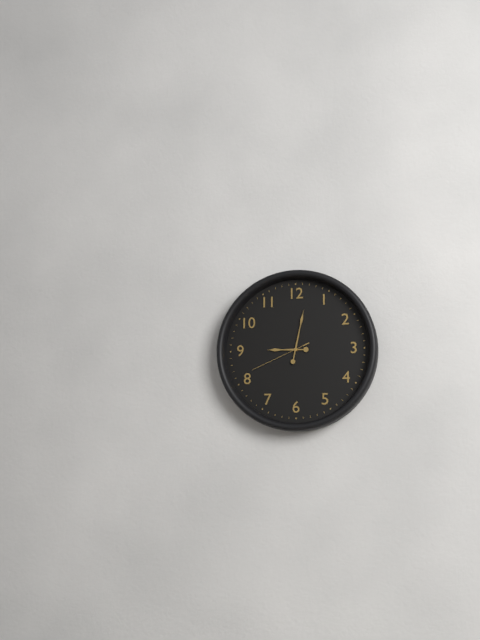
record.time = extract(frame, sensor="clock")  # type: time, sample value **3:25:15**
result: **9:02:41**
